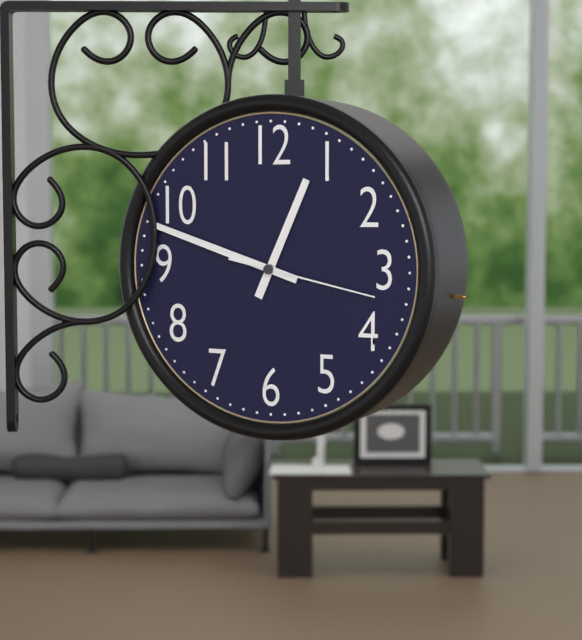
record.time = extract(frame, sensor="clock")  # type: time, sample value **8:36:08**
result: **12:48:17**
